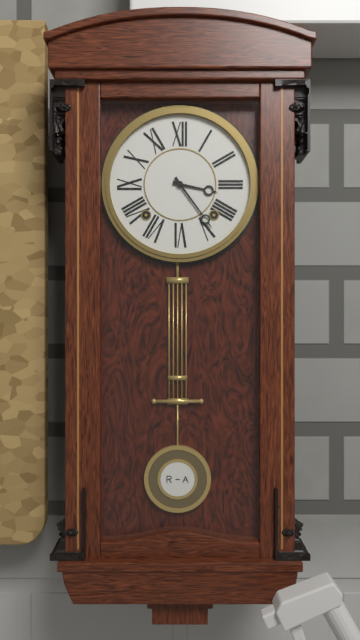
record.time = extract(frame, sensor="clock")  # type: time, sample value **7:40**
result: **3:24**
